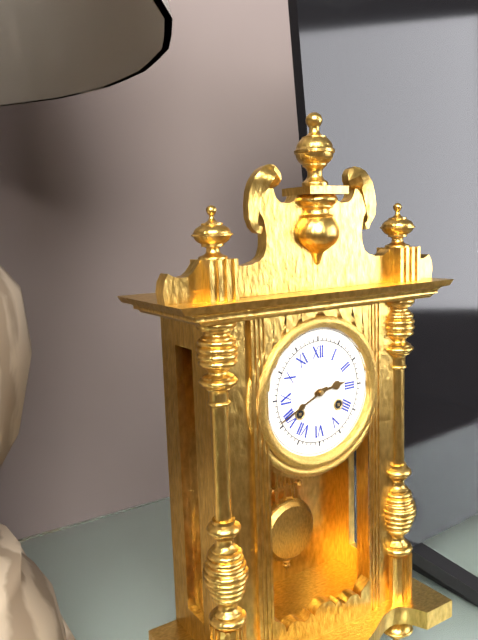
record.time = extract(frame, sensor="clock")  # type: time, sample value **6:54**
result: **2:41**
